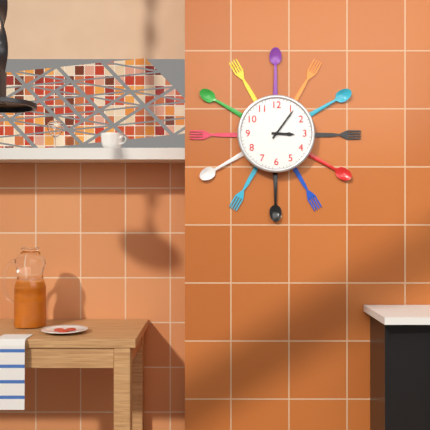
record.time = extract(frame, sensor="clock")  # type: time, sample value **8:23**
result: **3:06**
